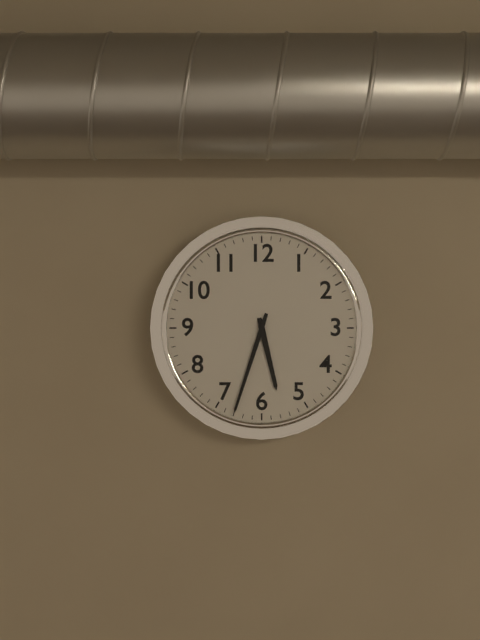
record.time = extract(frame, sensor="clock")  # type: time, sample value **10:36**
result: **5:33**
